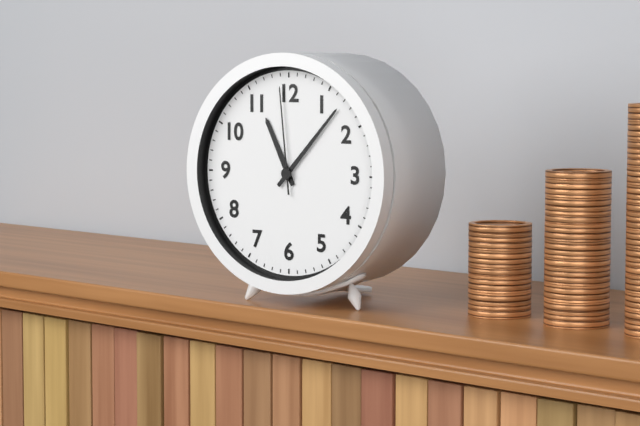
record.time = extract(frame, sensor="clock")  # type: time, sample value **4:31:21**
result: **11:07:59**
